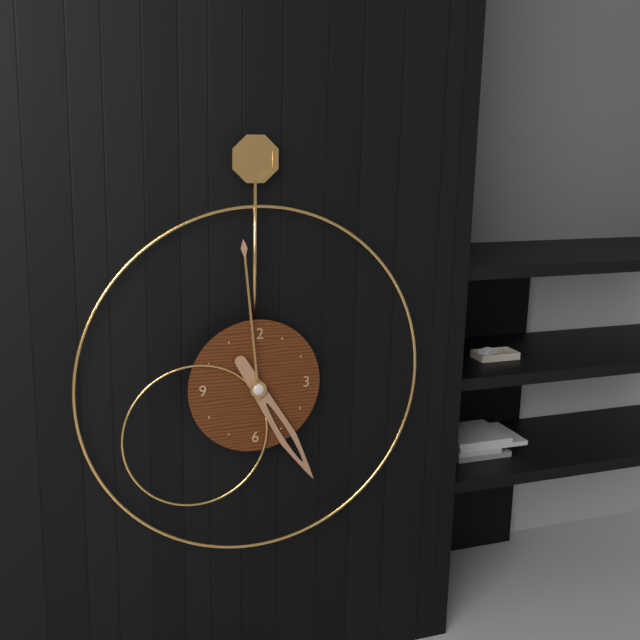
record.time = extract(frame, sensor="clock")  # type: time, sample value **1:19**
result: **4:59**
